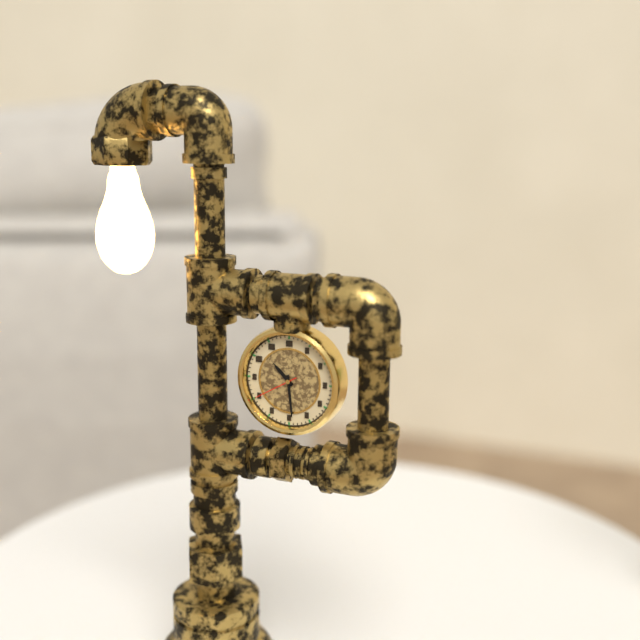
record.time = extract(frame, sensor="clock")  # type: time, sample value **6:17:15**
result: **10:29:40**
